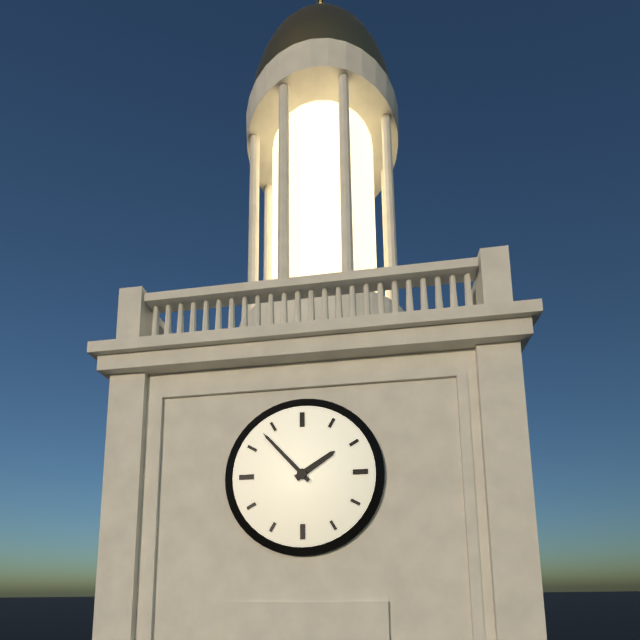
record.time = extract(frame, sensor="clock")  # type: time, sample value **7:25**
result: **1:53**
